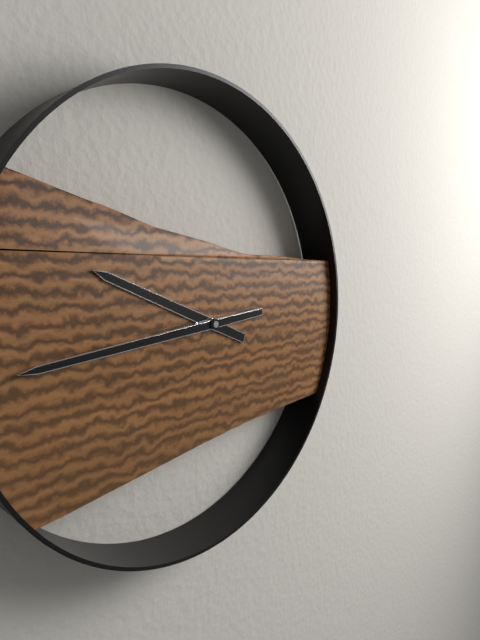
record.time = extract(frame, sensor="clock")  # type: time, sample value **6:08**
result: **9:44**
